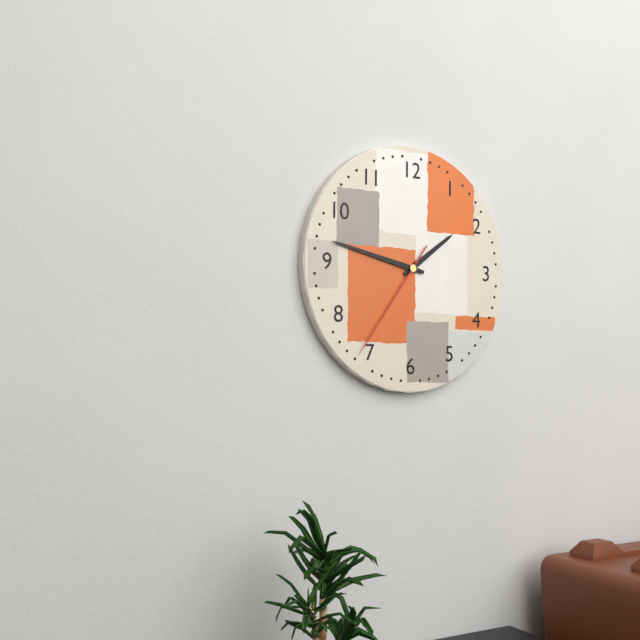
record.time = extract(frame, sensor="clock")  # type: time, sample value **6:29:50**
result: **1:47:36**
